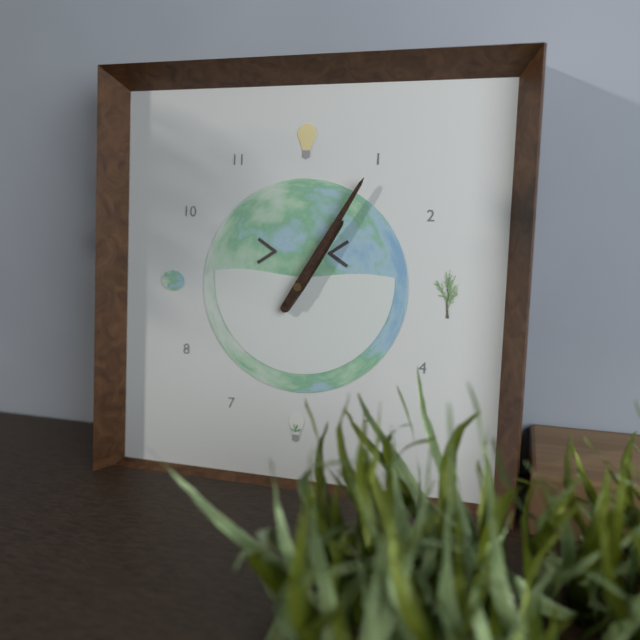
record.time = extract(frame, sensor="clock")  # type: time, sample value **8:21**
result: **1:05**
